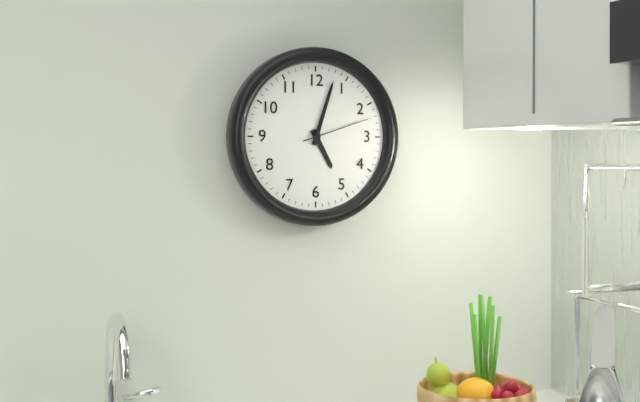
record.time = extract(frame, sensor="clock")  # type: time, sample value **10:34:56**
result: **5:03:12**
